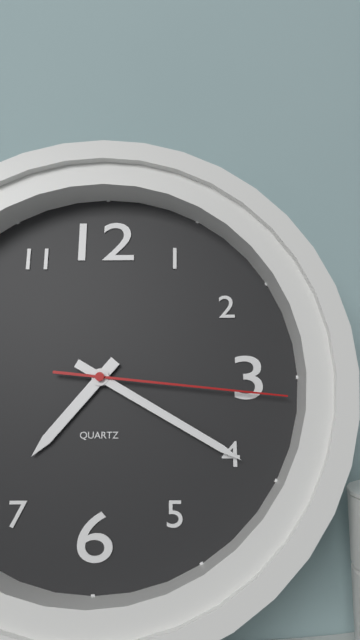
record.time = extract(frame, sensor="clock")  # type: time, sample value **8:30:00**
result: **7:20:16**
